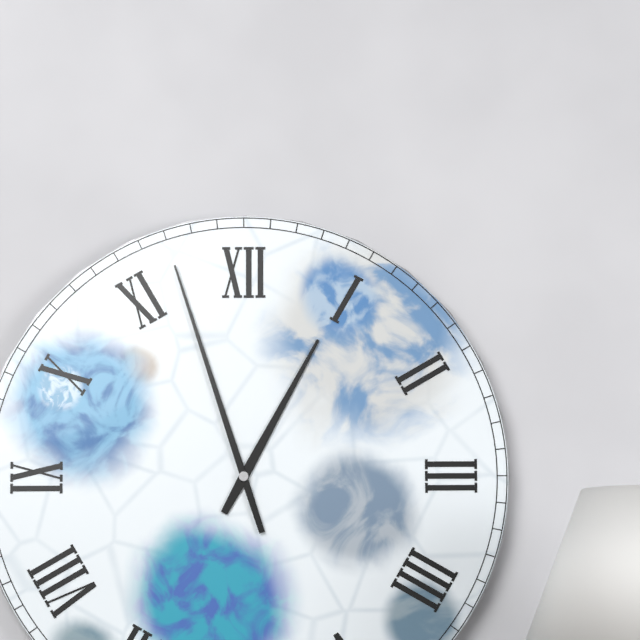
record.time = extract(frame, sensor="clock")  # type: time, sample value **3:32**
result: **12:57**
